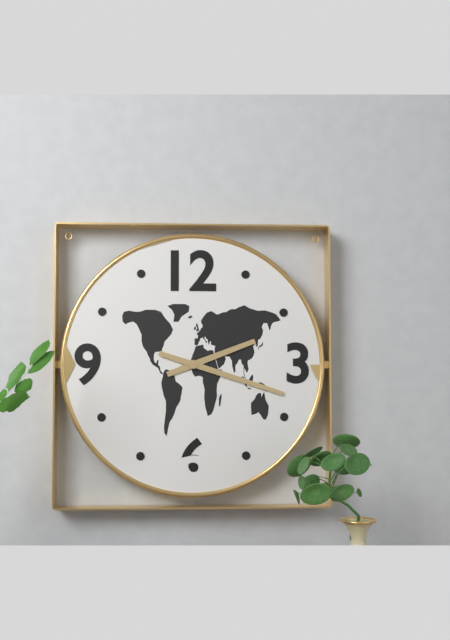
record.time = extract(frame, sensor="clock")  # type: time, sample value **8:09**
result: **2:18**
